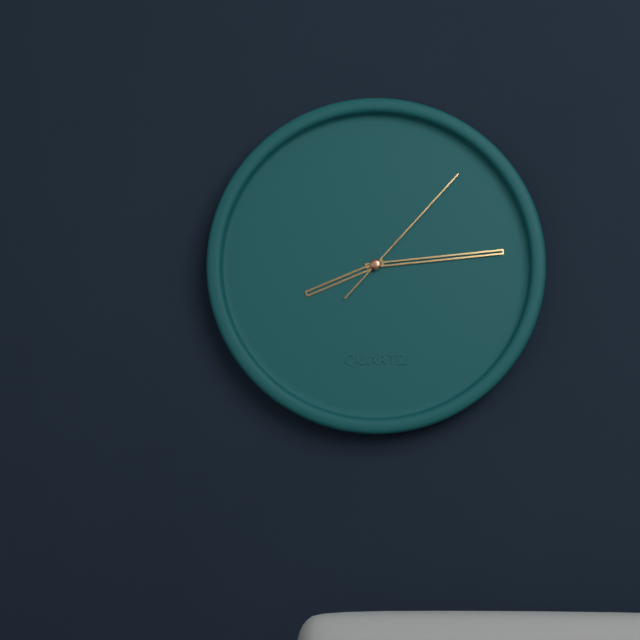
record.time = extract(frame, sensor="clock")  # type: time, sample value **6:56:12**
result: **8:14:07**
